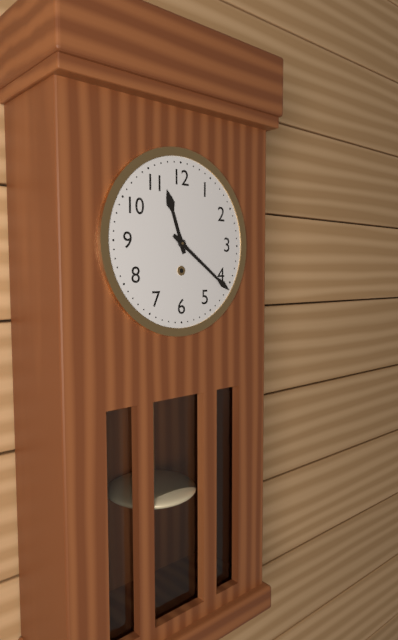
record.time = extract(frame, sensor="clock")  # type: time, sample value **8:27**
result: **11:21**
